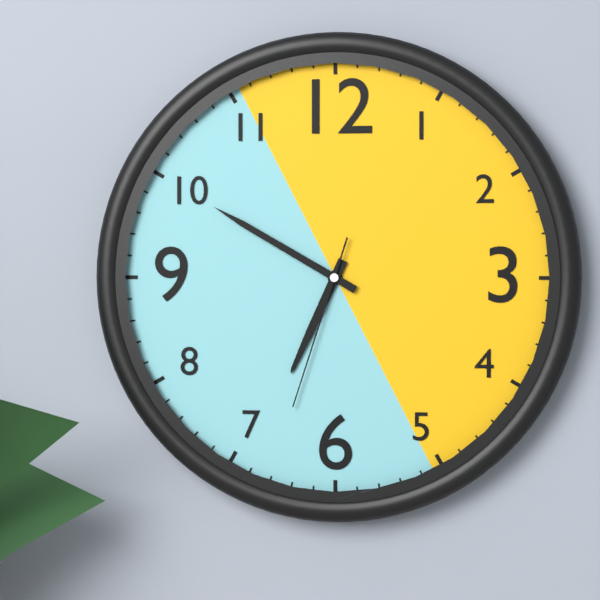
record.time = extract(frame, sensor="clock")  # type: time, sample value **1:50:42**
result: **6:50:33**
